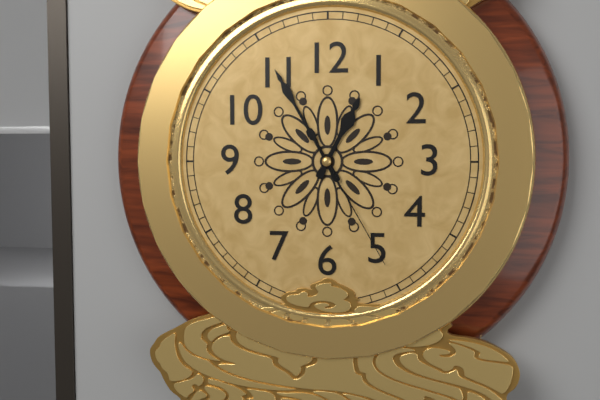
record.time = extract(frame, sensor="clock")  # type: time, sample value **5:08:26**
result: **12:55:25**
